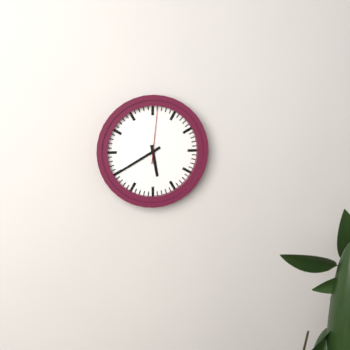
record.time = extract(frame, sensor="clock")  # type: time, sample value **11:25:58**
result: **5:40:01**
